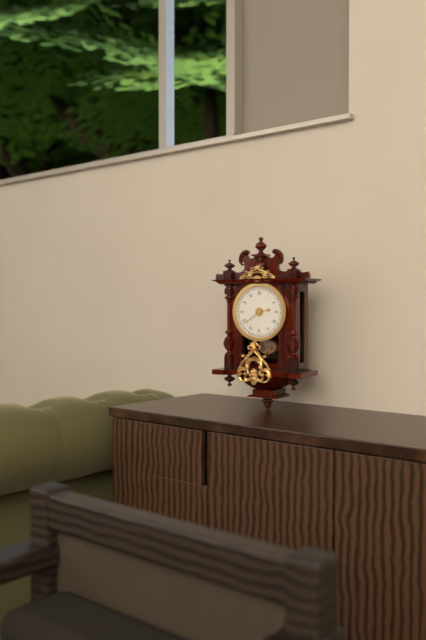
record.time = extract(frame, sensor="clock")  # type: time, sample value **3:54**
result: **2:39**
